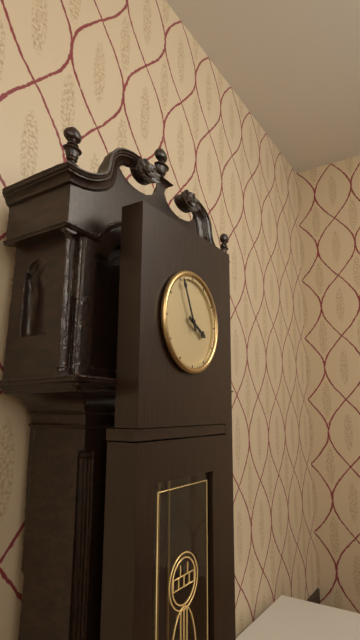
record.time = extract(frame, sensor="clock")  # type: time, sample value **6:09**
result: **3:56**
